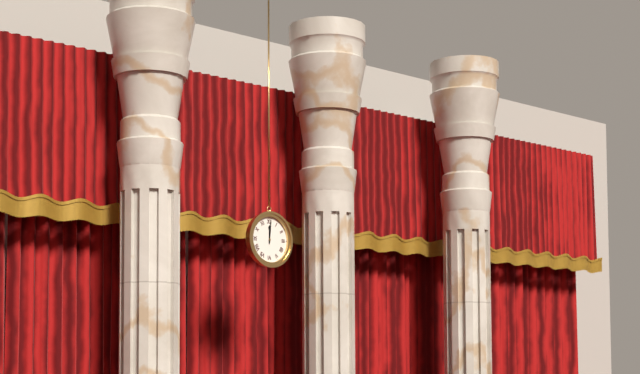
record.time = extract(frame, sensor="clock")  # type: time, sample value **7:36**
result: **12:01**
